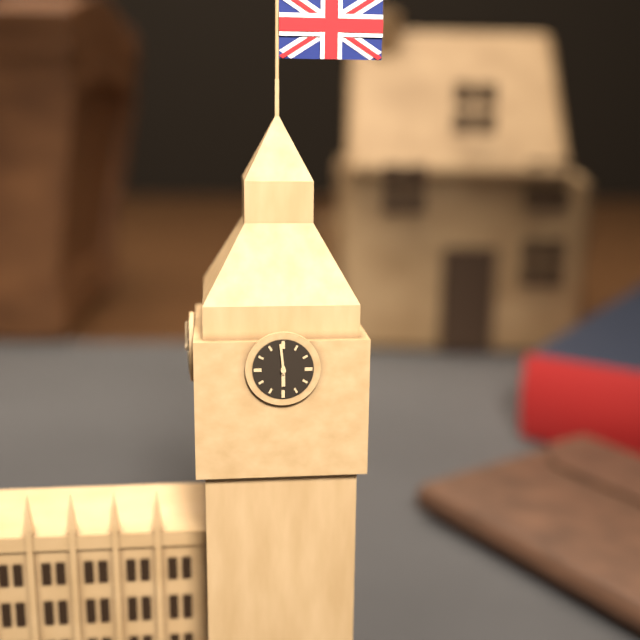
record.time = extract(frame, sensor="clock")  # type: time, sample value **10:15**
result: **5:59**
